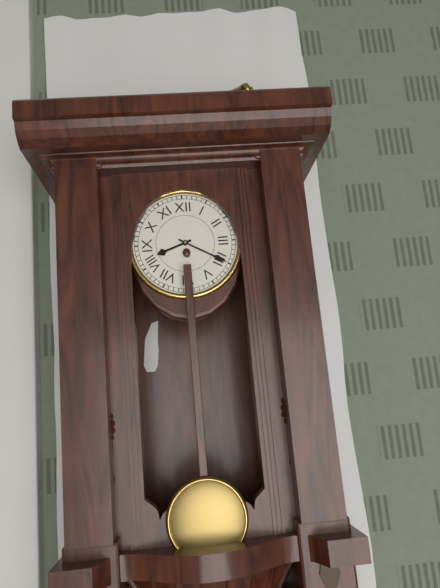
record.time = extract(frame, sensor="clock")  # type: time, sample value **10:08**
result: **8:20**
